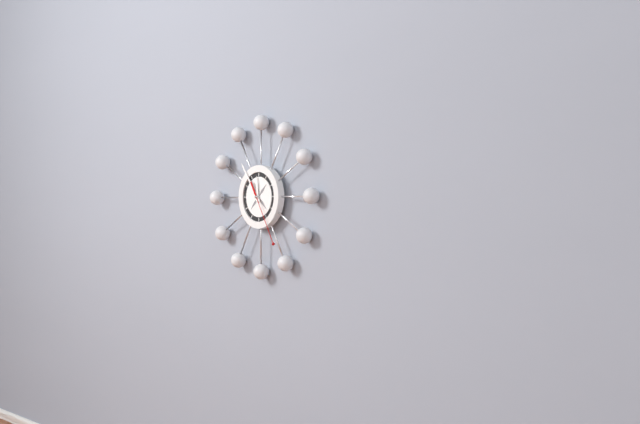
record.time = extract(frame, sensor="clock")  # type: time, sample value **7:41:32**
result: **11:54:25**
